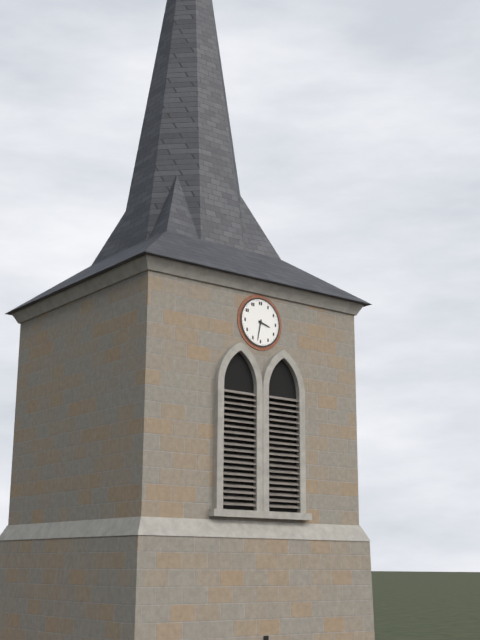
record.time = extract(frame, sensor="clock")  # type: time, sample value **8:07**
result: **3:32**
